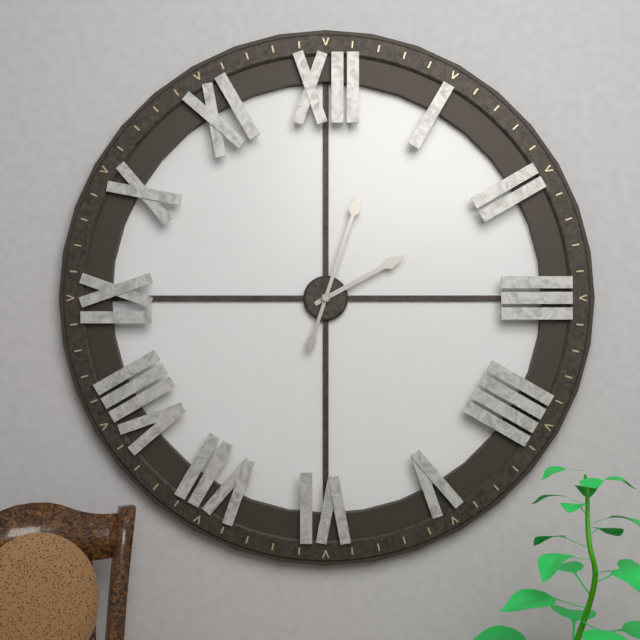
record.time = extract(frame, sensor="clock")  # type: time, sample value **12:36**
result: **2:03**
